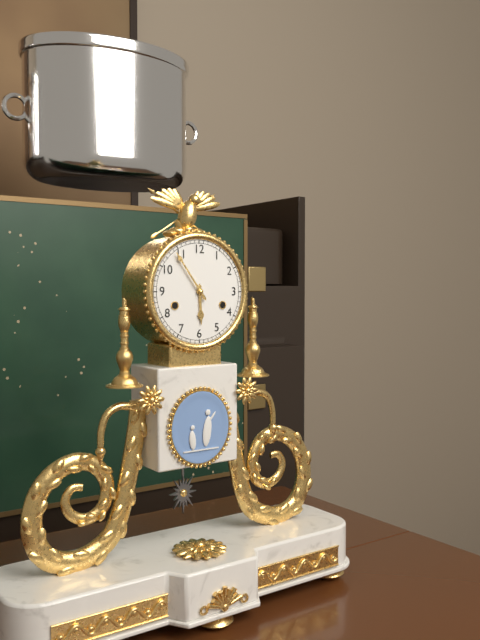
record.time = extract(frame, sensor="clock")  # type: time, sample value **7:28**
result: **5:54**
